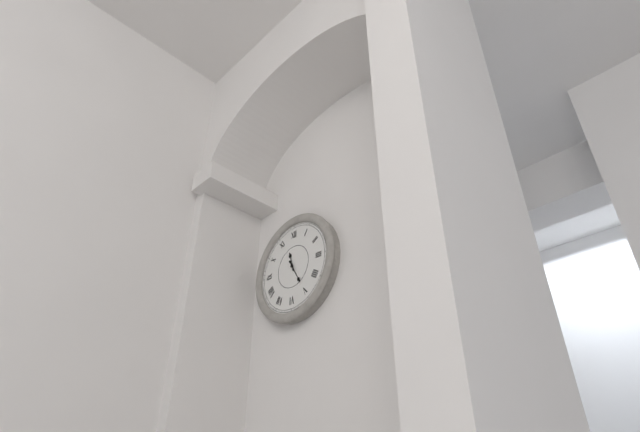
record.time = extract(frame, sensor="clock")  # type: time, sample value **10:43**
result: **11:25**
